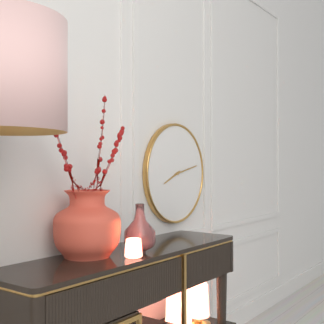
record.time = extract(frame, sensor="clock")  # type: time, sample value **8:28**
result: **8:13**
